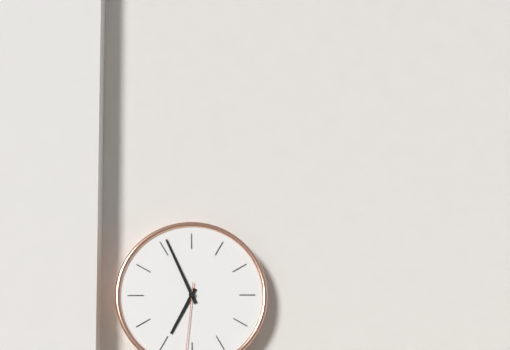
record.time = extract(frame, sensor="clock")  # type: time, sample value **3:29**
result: **6:56**
